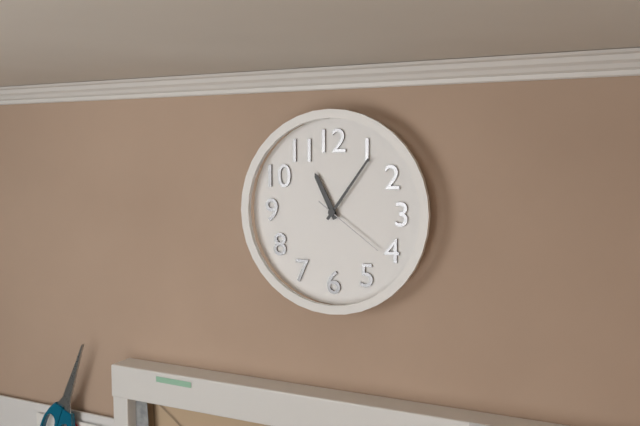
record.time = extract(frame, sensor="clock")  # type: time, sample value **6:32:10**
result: **11:06:21**
